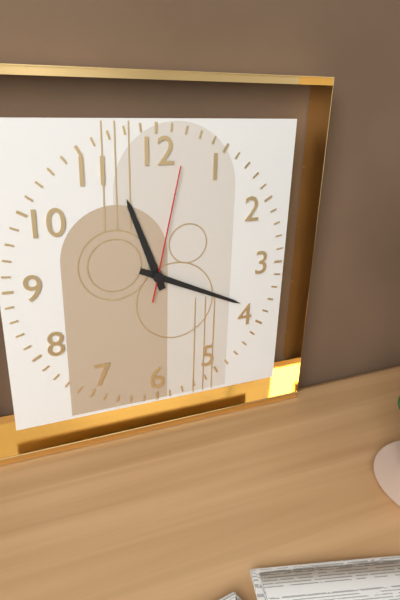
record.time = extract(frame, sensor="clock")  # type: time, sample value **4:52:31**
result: **11:19:02**
